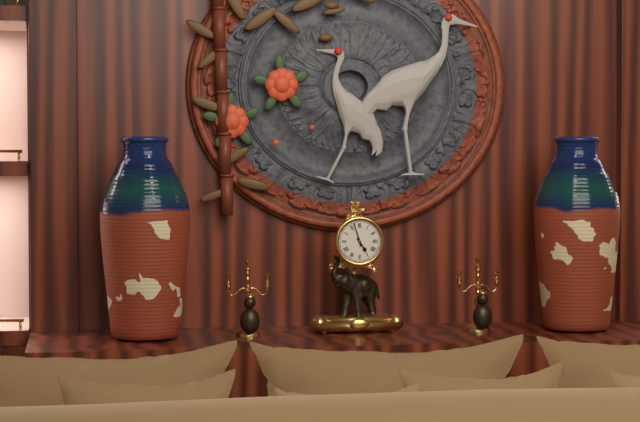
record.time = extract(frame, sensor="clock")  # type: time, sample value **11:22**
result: **4:57**
